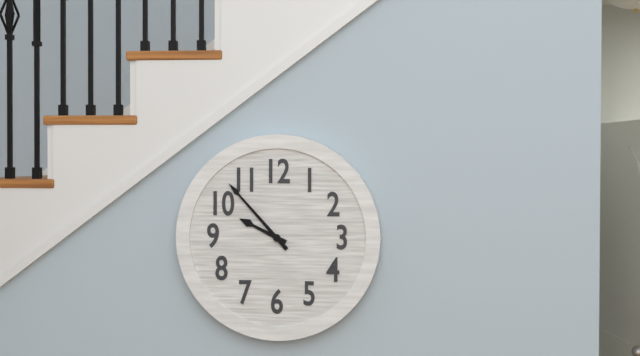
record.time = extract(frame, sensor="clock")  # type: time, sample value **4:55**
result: **9:53**
